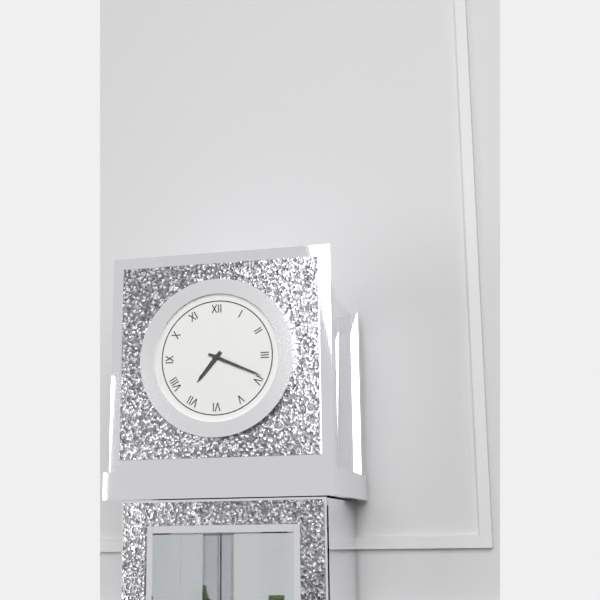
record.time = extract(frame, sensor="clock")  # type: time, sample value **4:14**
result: **7:19**
